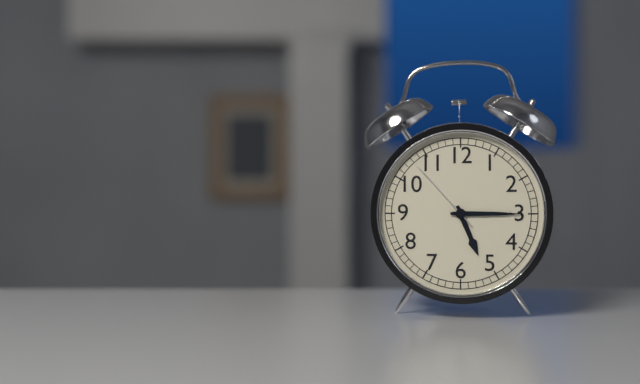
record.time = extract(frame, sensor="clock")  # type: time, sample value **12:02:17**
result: **5:15:53**
